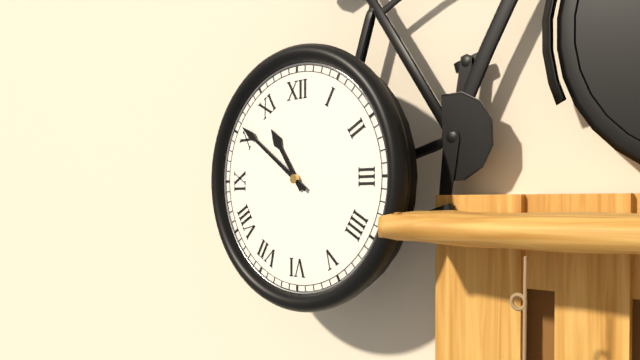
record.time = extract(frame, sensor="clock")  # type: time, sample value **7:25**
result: **10:51**
